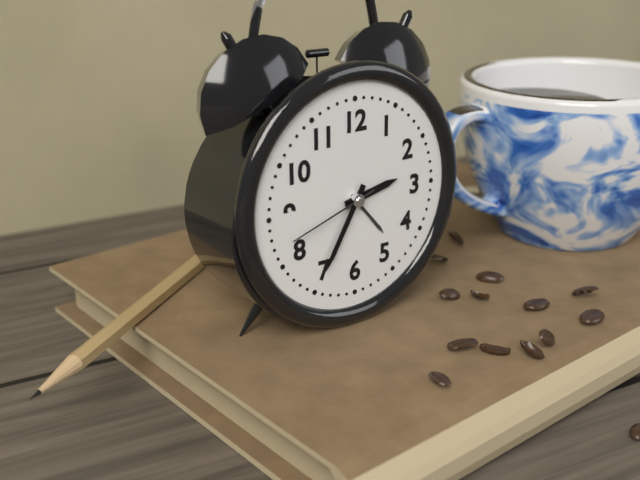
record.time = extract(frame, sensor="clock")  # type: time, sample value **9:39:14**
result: **2:35:42**
